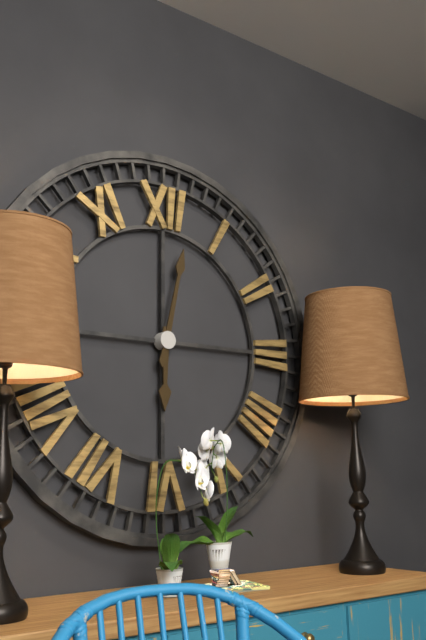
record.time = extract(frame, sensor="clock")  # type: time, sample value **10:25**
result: **6:02**
